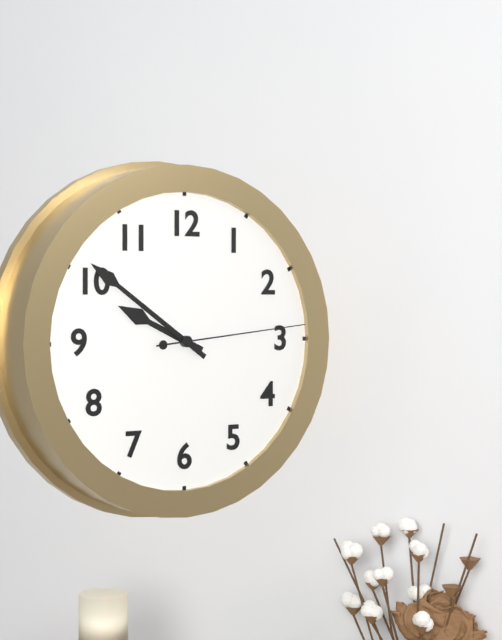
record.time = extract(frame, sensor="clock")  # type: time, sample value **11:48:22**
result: **9:51:14**
